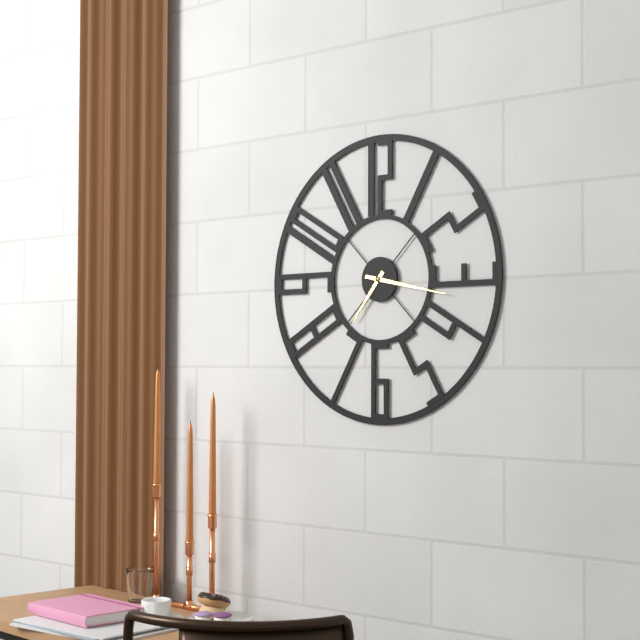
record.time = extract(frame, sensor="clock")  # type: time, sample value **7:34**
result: **7:17**
